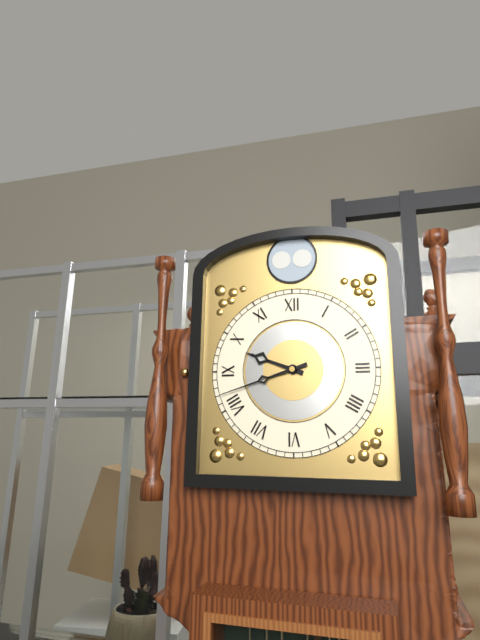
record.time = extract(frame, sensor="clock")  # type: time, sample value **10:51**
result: **9:42**
